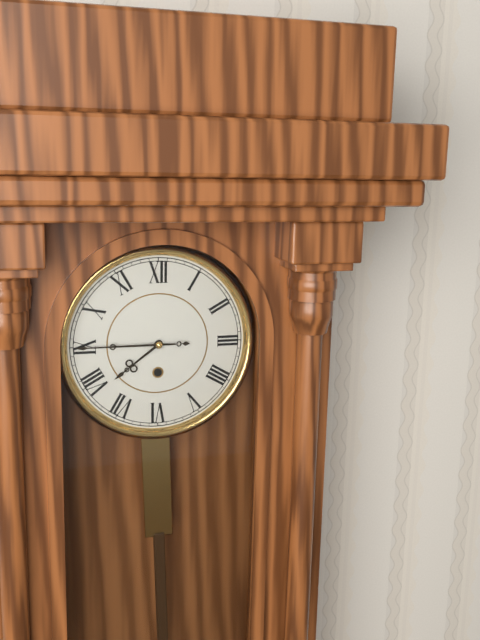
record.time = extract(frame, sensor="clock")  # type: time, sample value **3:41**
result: **7:45**
